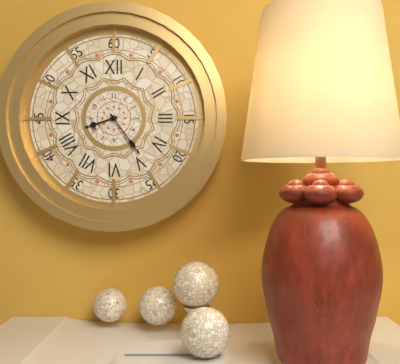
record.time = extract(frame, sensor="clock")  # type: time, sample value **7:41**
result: **8:24**
